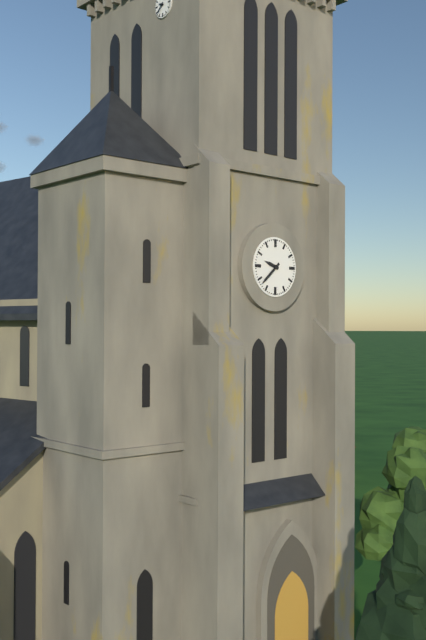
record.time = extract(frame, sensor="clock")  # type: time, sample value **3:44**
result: **9:38**
